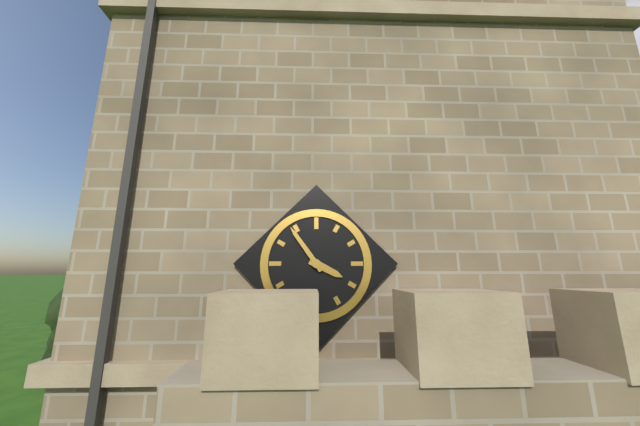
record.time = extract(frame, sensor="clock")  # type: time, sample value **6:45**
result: **3:54**
